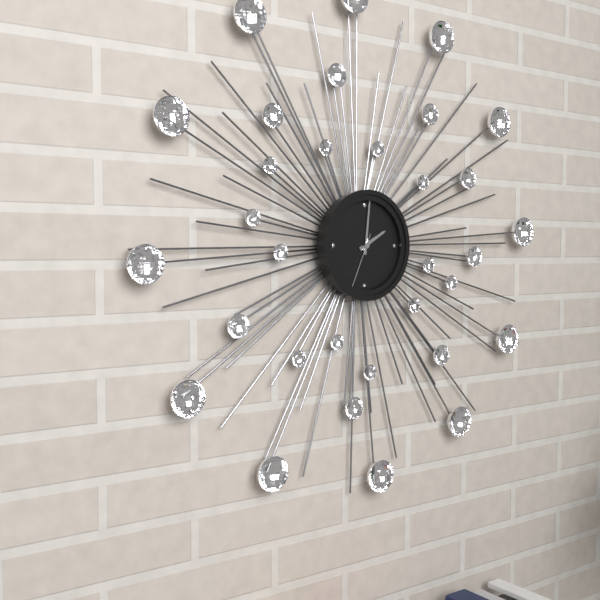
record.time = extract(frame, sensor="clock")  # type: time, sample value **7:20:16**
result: **2:01:34**
